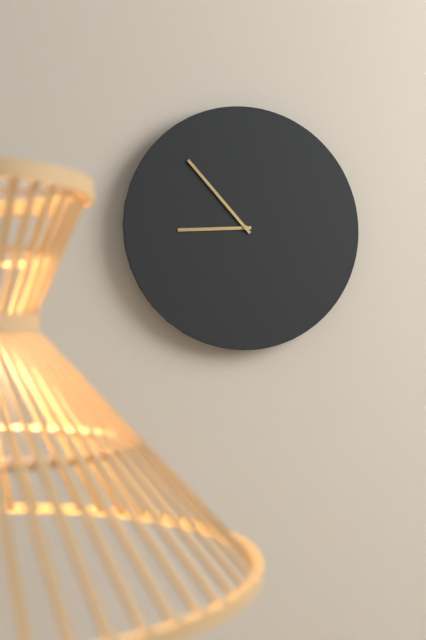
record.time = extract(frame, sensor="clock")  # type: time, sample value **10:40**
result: **8:53**
